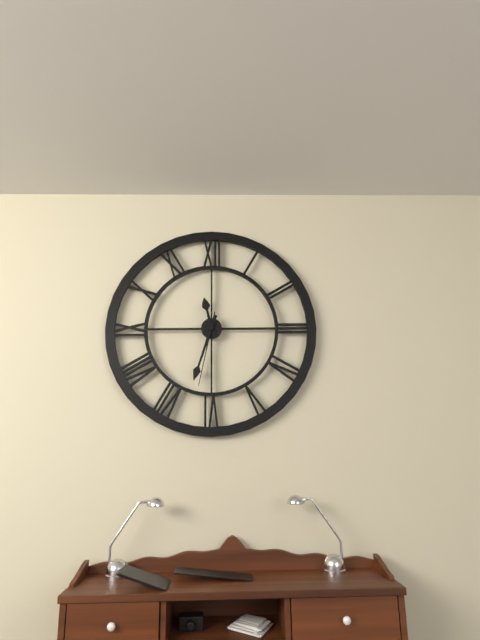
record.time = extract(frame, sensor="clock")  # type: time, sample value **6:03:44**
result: **11:33:32**
